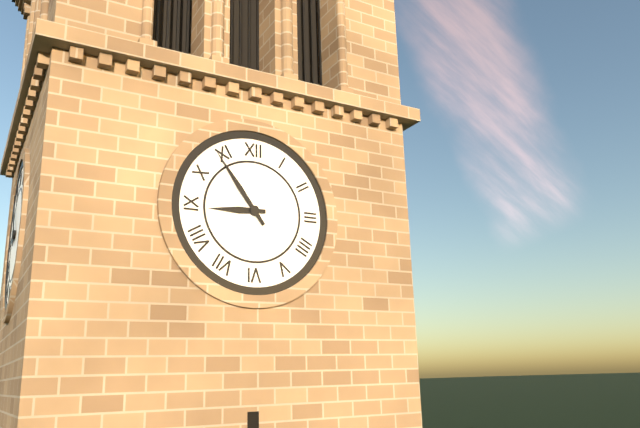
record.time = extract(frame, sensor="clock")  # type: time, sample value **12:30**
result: **8:54**
